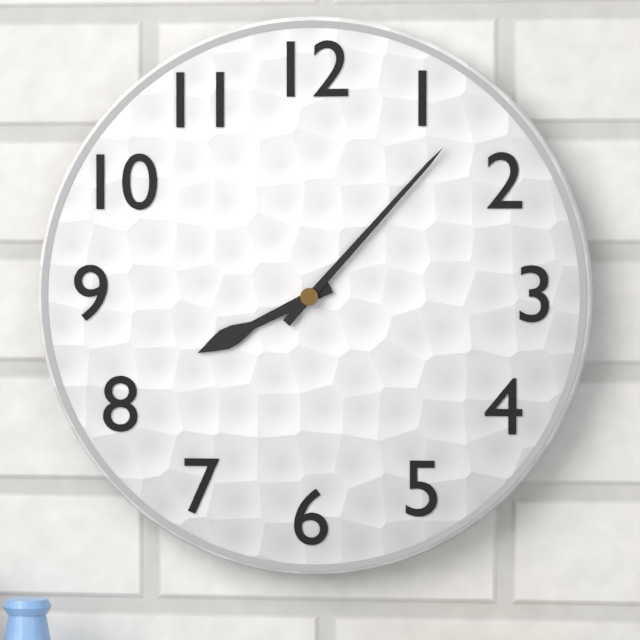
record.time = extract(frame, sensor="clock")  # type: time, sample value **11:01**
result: **8:07**
